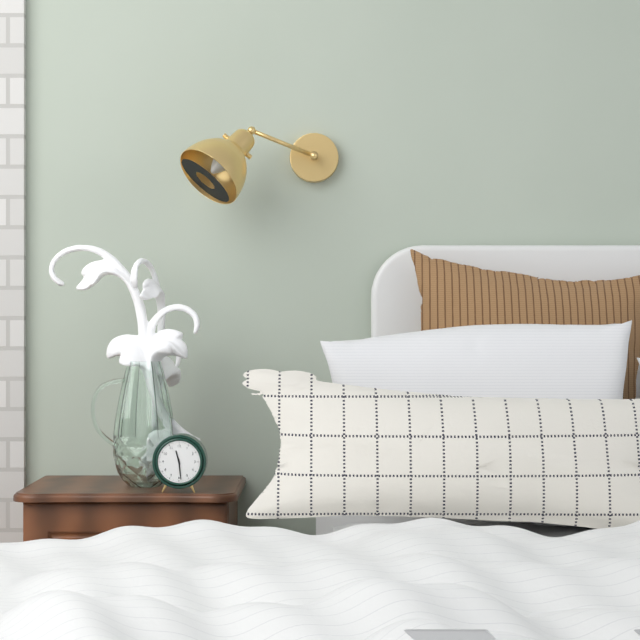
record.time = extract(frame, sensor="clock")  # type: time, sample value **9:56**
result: **11:29**
